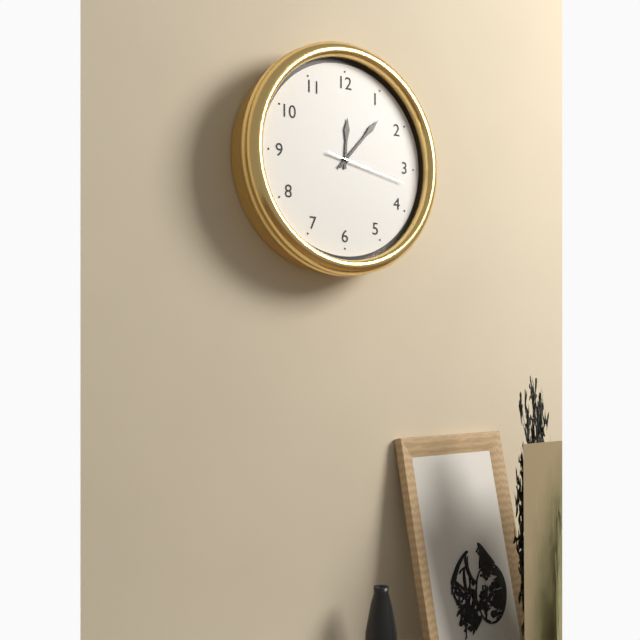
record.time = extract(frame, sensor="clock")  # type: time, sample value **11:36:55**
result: **12:07:17**
